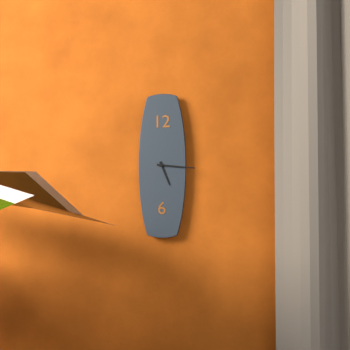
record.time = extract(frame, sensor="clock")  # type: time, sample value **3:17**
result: **5:16**
